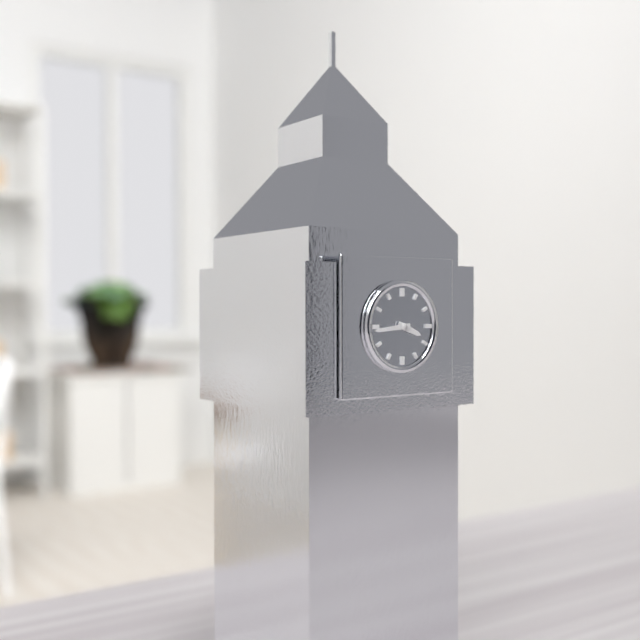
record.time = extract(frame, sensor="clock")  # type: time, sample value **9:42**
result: **3:44**
